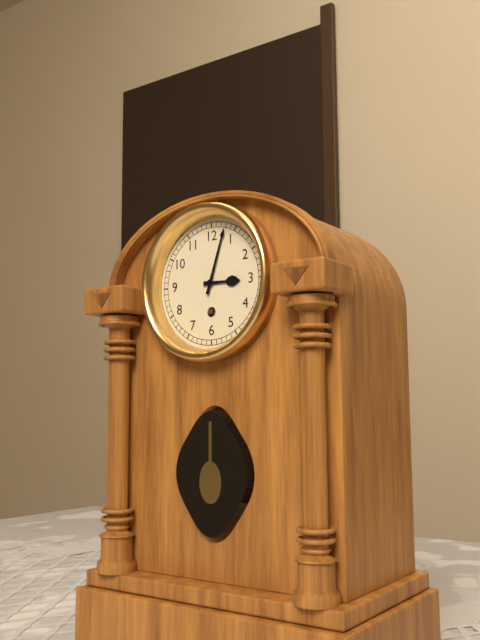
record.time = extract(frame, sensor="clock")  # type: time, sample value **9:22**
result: **3:03**
